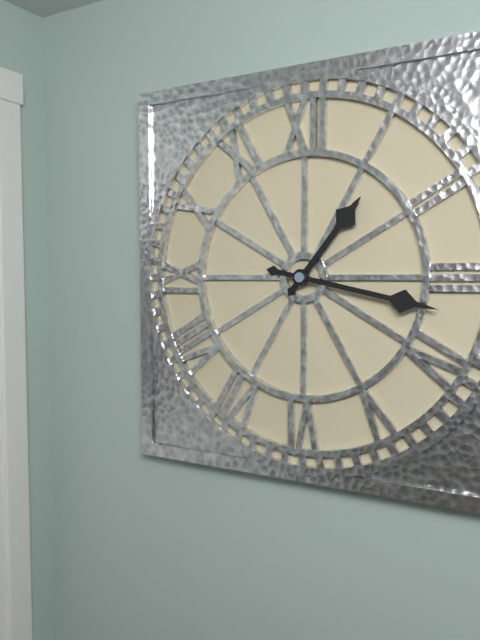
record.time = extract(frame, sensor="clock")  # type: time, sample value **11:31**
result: **1:17**
